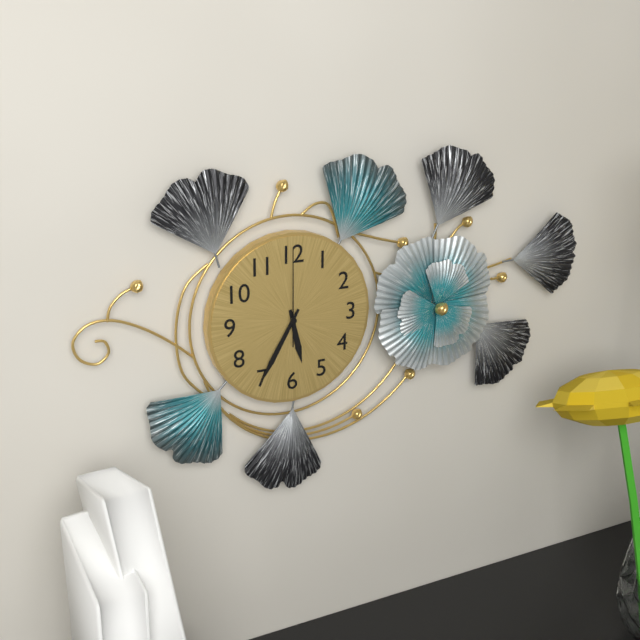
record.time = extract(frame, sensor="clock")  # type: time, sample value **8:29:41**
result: **5:35:00**
